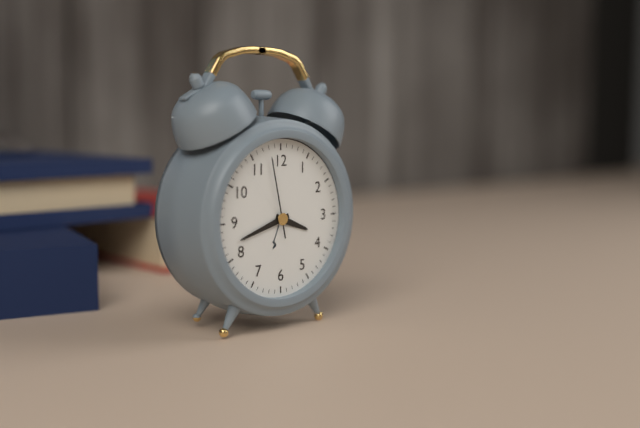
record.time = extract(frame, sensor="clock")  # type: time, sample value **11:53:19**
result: **3:42:58**
